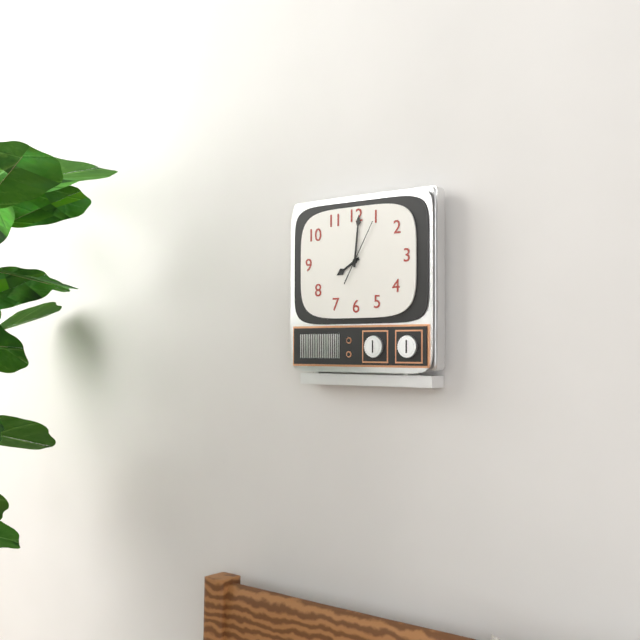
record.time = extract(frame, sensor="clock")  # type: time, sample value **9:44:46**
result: **8:01:05**
